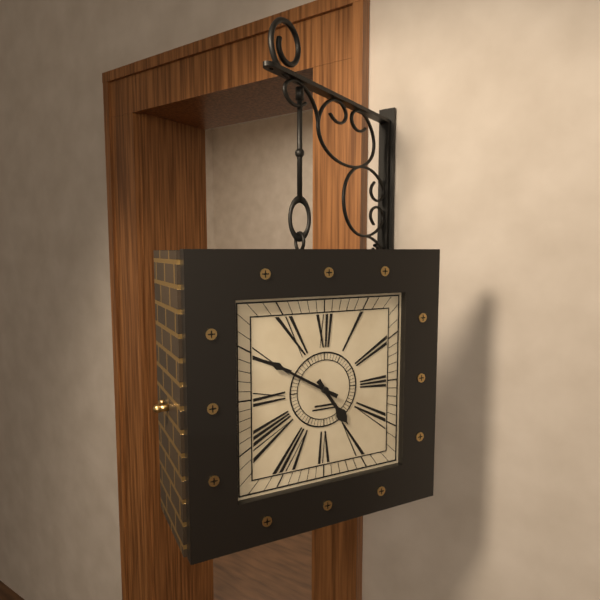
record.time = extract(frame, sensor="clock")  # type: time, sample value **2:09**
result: **4:50**
